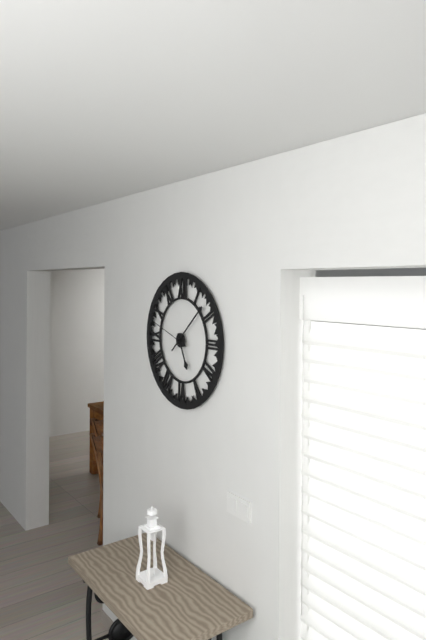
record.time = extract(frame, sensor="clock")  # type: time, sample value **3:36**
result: **5:08**
